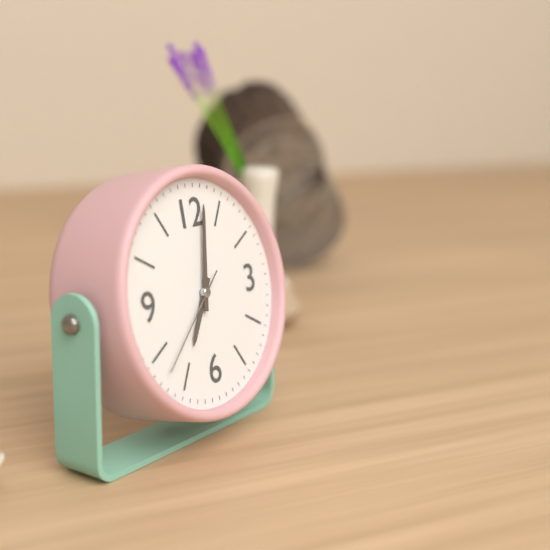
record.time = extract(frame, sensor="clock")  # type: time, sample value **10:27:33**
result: **7:02:38**
